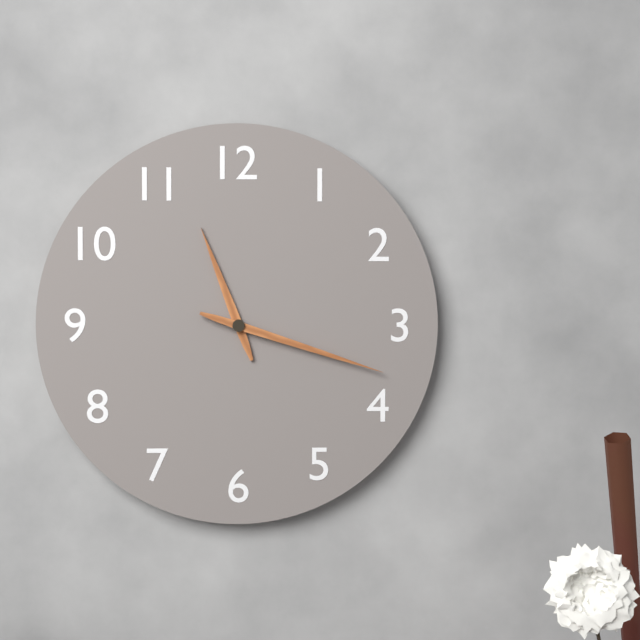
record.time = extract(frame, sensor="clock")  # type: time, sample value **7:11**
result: **11:18**
